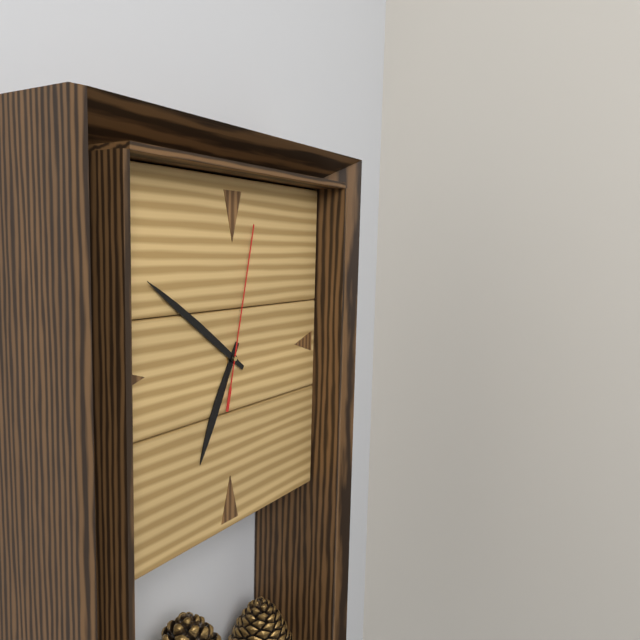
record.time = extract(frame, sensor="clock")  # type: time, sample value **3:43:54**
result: **6:51:02**
